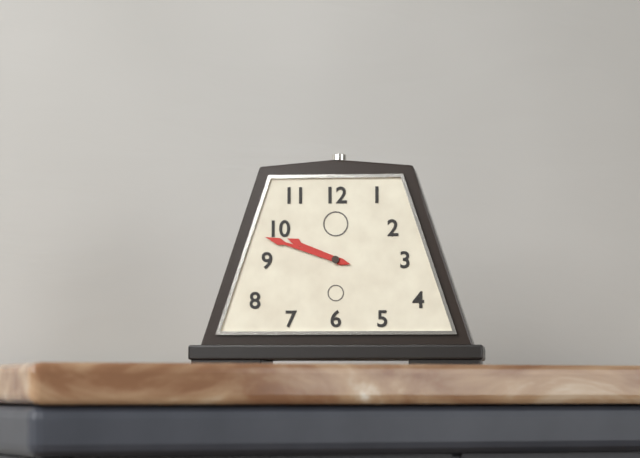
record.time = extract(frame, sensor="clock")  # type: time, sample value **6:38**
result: **9:48**
